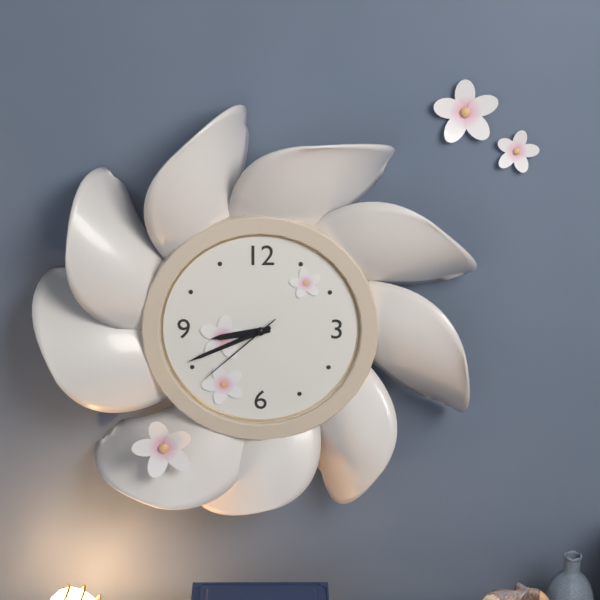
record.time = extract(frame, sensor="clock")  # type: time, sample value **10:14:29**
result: **8:41:38**
